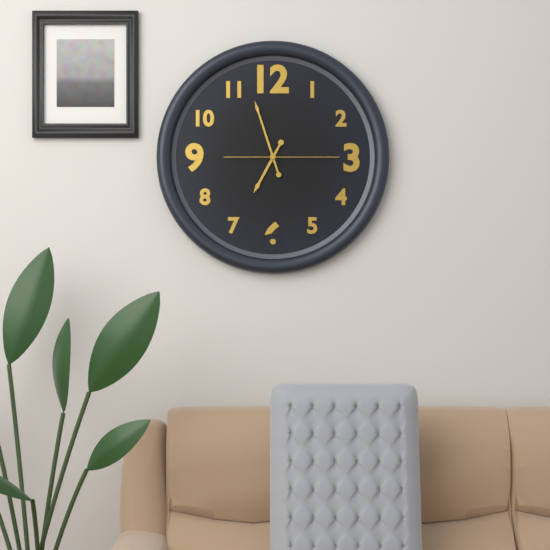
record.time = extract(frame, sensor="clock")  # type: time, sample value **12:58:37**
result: **6:57:15**
